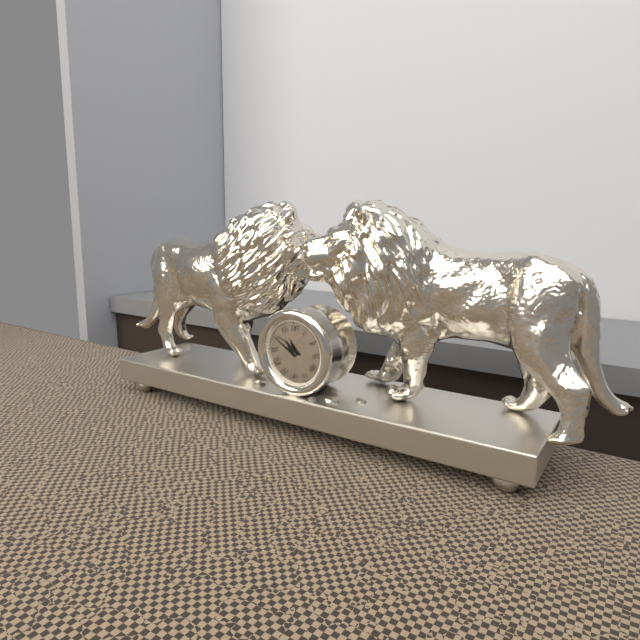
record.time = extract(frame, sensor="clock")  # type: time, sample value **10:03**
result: **10:50**
